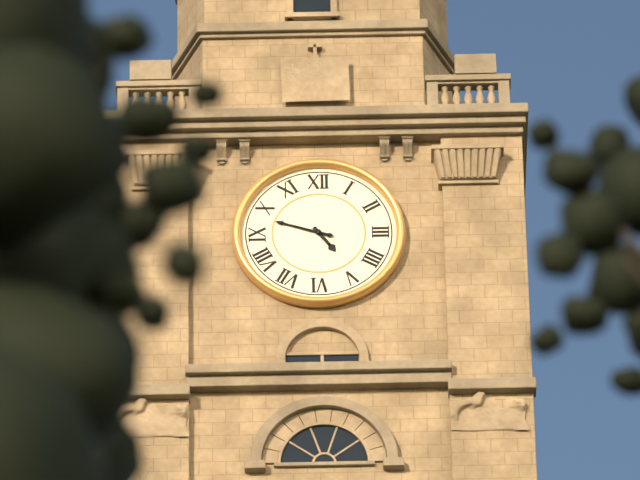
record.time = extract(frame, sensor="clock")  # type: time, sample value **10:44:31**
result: **4:48:48**
